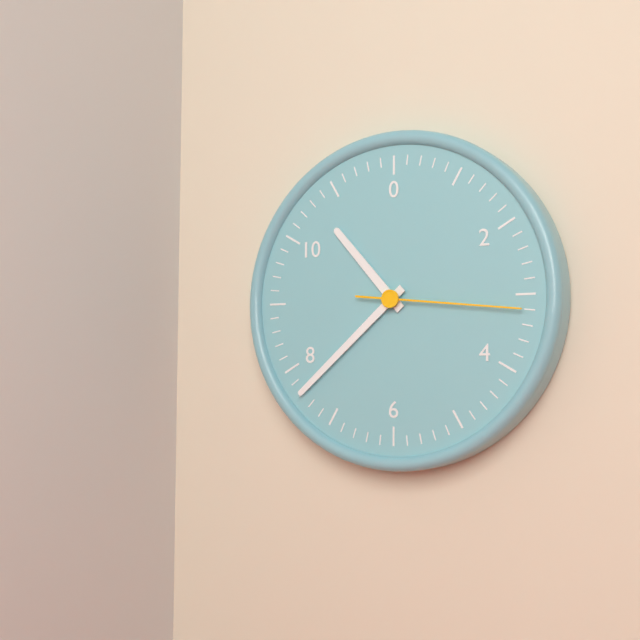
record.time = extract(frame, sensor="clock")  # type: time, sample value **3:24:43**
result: **10:38:16**
